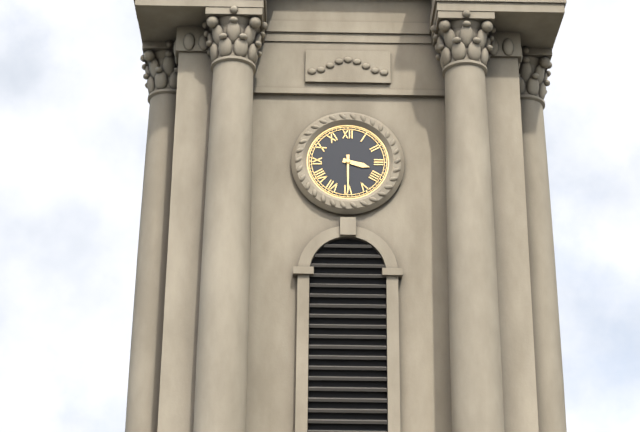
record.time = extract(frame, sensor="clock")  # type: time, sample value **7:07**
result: **3:30**
